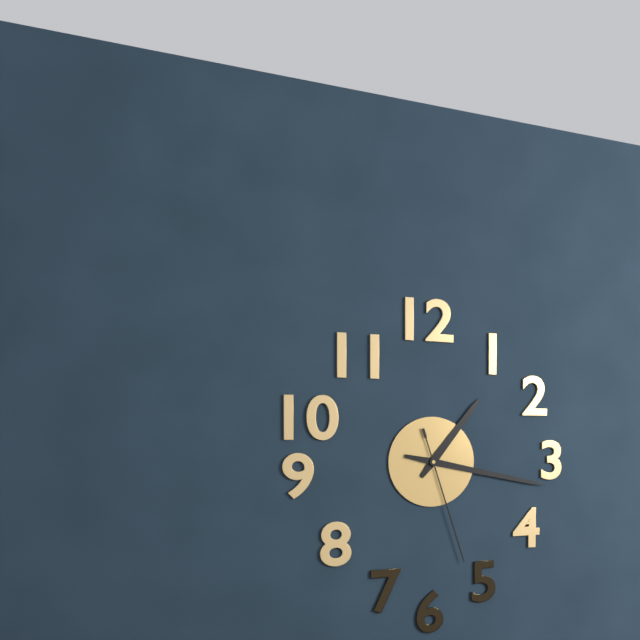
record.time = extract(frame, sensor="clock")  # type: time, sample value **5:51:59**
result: **1:17:27**
